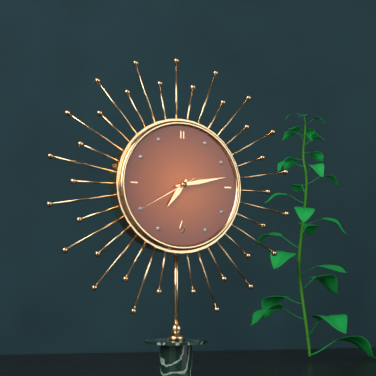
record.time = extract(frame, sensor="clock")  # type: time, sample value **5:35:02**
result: **7:13:40**
